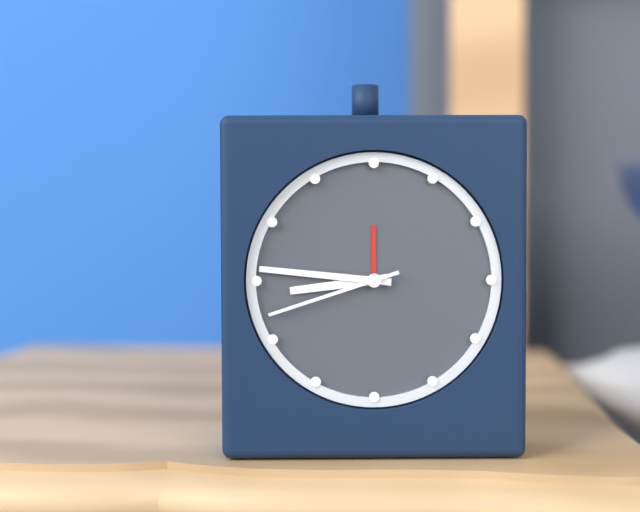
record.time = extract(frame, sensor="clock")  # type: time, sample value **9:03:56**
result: **8:46:42**
